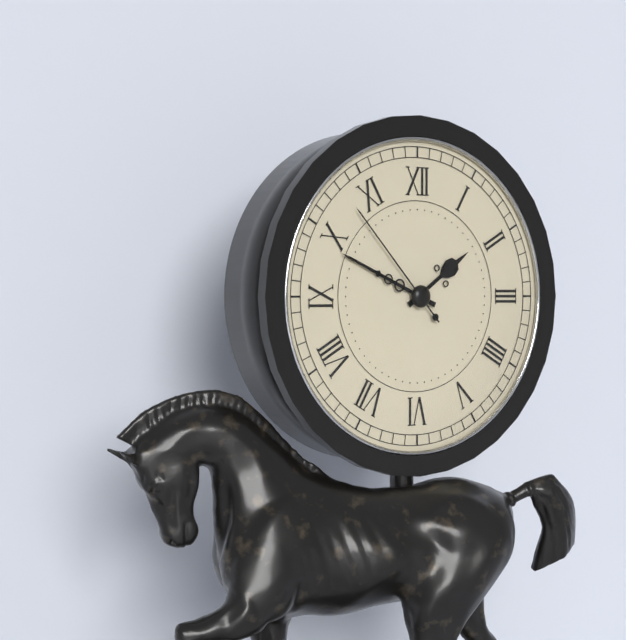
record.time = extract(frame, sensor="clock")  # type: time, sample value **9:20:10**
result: **1:49:53**
